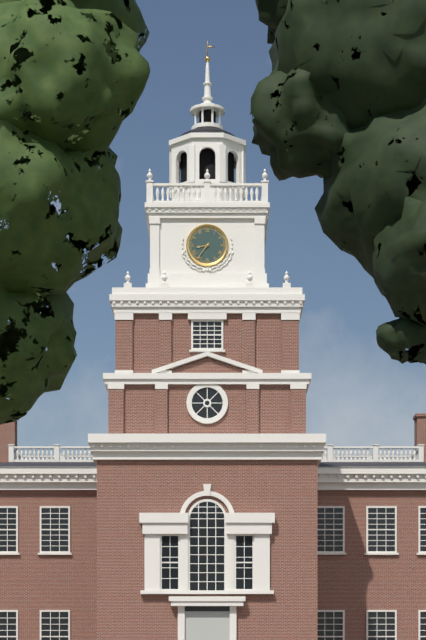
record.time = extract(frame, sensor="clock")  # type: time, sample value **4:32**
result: **8:36**
